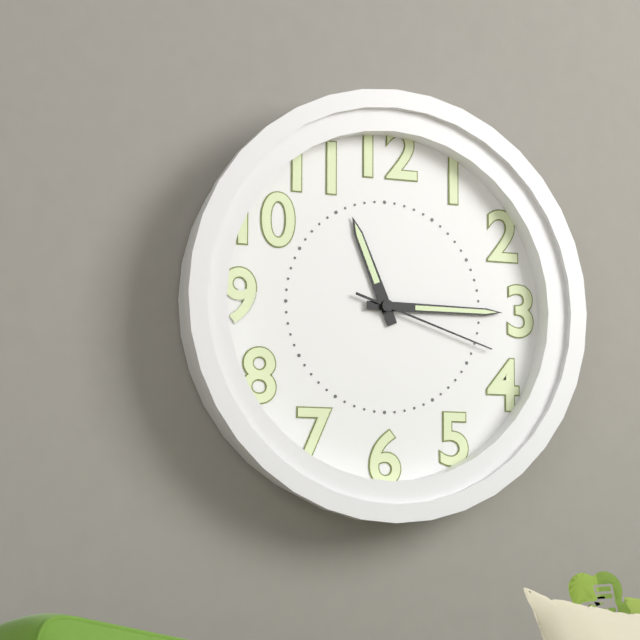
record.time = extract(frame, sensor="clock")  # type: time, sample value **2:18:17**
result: **11:15:18**
